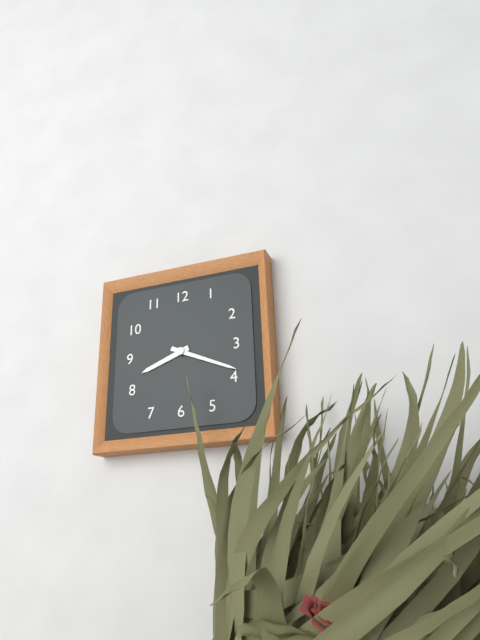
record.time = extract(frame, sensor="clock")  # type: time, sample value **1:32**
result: **8:19**
